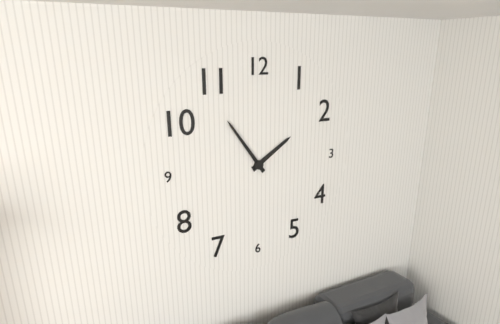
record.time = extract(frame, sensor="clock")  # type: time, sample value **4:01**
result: **1:54**
